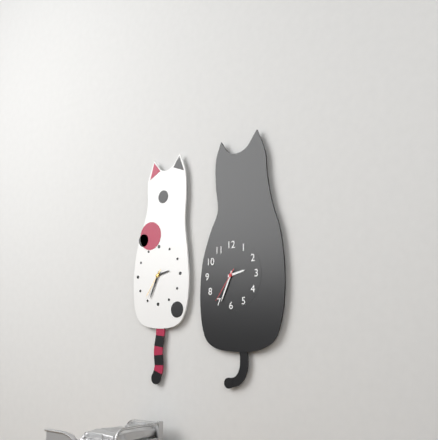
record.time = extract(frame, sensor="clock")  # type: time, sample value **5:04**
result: **2:34**
